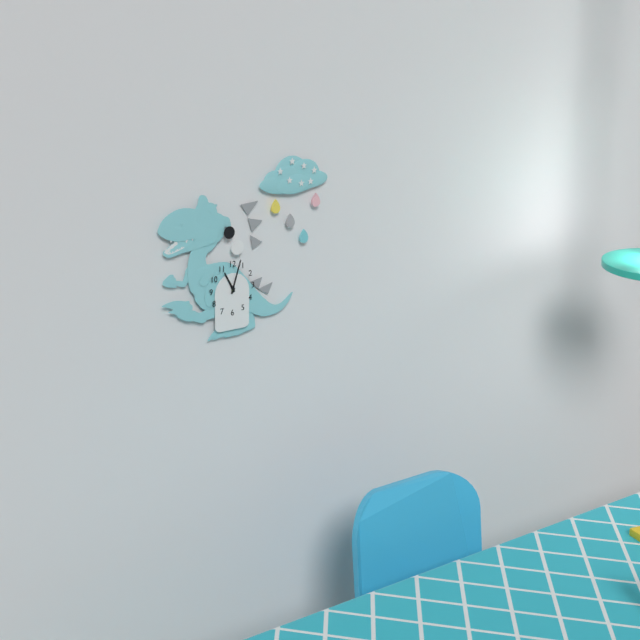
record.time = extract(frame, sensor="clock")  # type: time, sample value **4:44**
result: **11:03**
